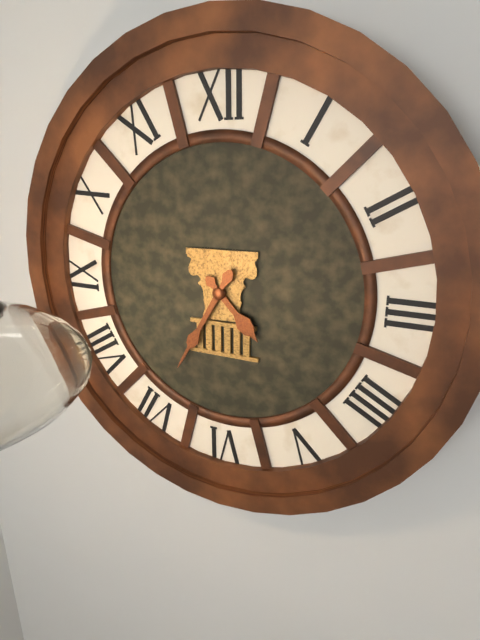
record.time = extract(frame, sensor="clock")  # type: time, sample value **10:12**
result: **4:35**
